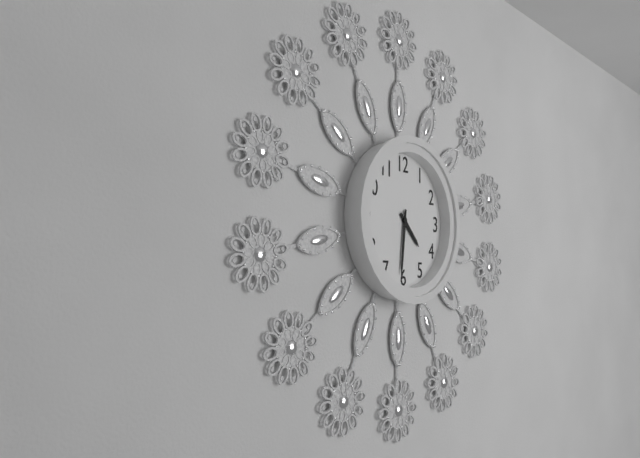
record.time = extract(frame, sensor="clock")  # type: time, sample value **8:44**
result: **4:31**
